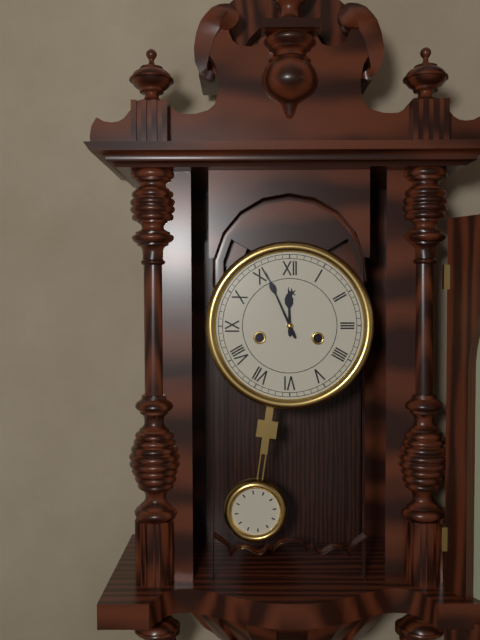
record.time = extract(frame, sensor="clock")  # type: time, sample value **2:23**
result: **11:56**
